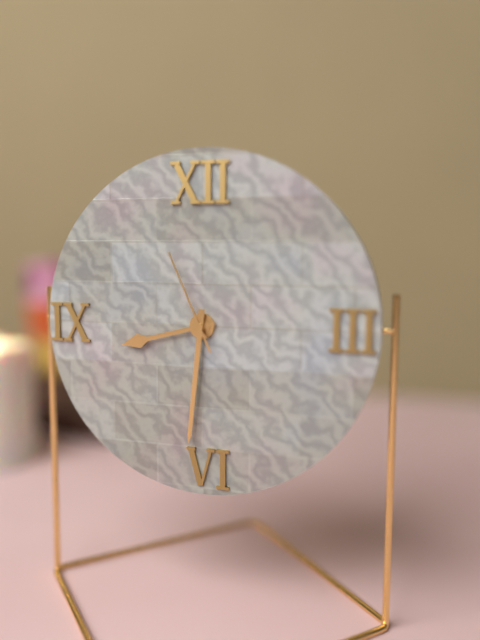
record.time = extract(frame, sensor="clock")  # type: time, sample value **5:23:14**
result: **8:31:56**
